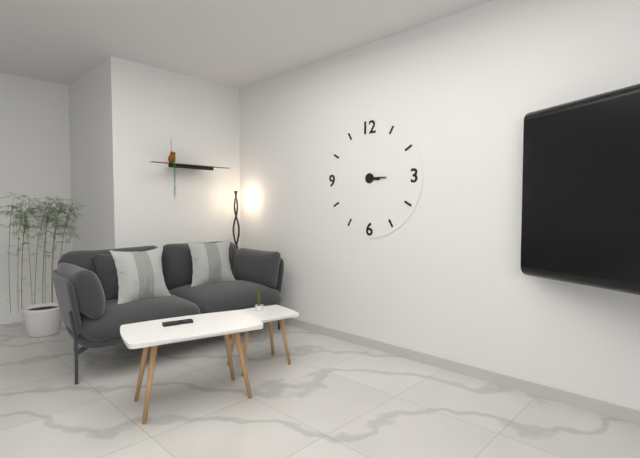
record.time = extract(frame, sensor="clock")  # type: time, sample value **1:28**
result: **3:15**
